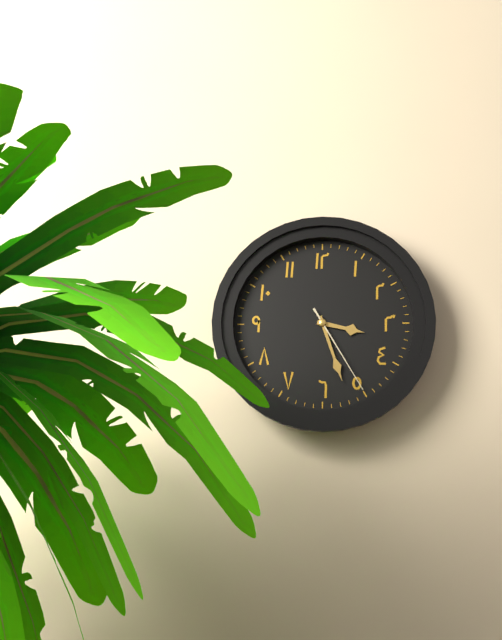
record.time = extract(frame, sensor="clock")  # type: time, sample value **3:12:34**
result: **3:27:25**
